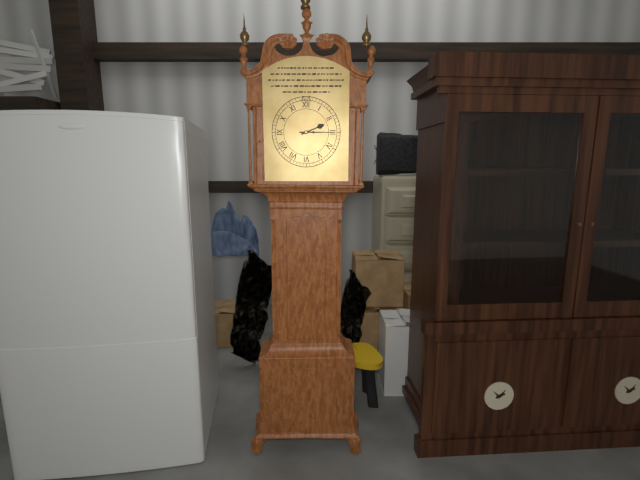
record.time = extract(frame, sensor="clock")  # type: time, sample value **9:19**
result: **2:15**
